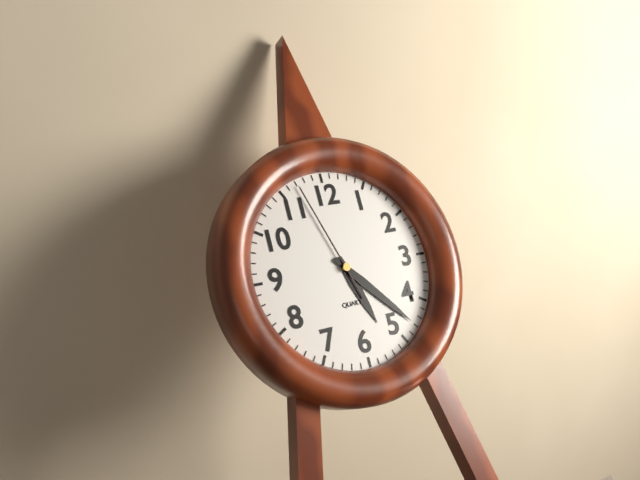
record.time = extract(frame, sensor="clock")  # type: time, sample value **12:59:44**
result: **5:23:57**
